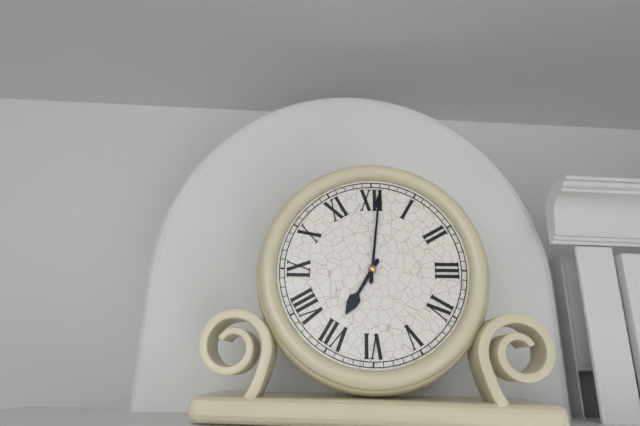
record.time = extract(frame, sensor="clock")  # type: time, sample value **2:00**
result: **7:01**
